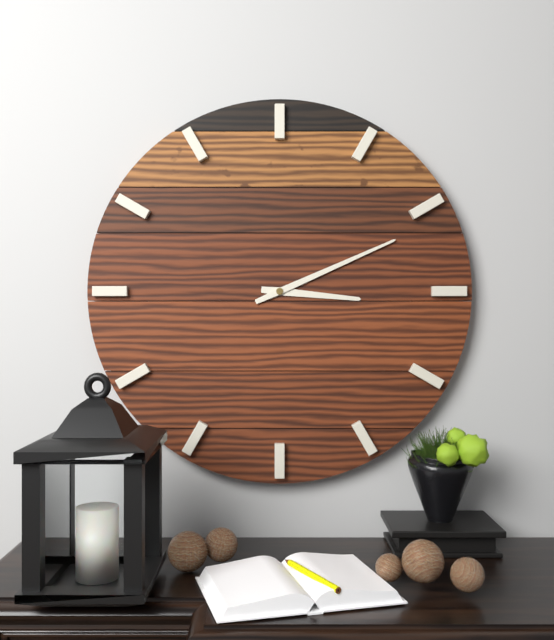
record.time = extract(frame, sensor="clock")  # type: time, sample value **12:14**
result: **3:11**
